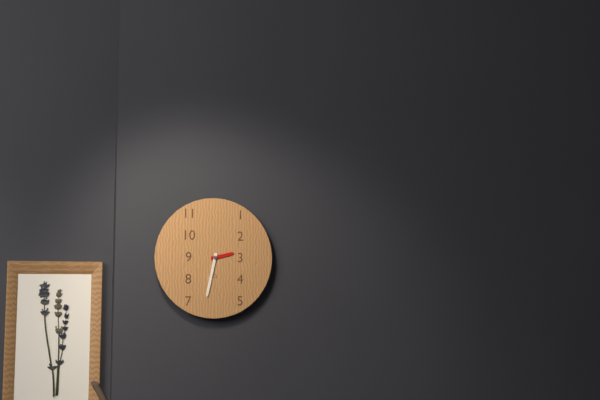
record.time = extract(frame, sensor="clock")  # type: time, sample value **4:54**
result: **2:32**
